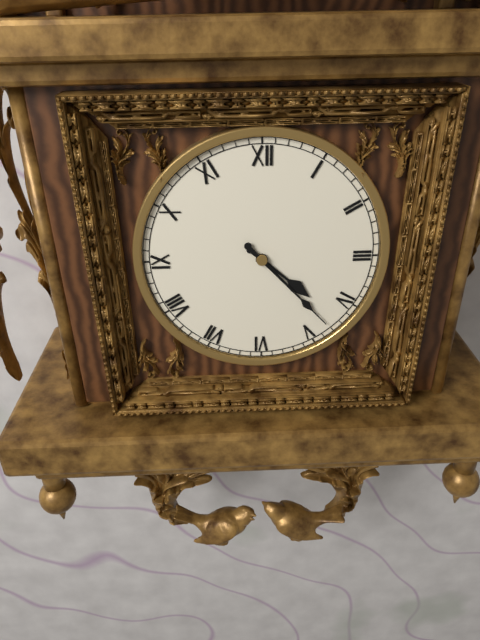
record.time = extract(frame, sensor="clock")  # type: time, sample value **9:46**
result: **4:23**
